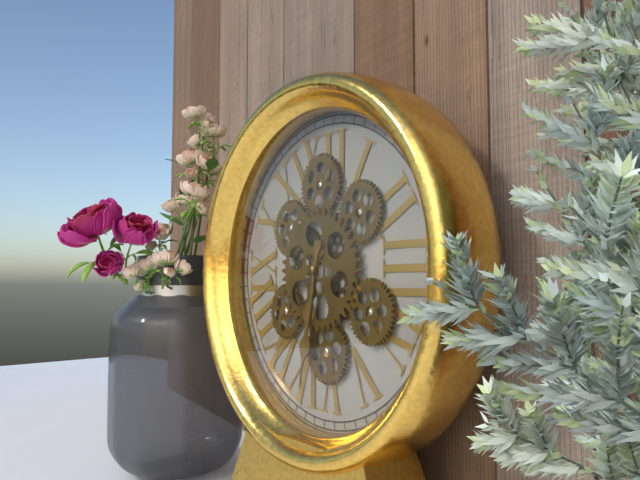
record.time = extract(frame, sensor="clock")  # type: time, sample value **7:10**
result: **6:32**
